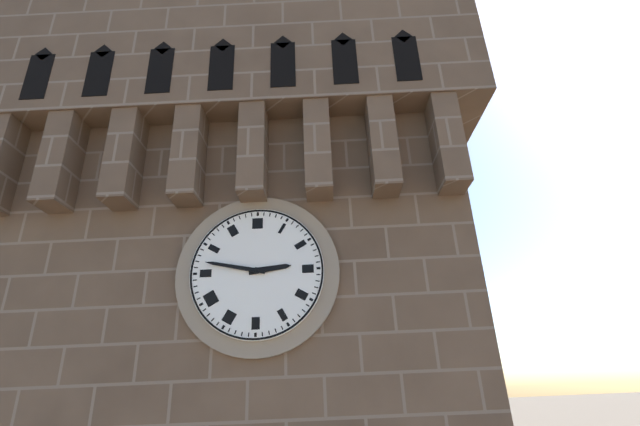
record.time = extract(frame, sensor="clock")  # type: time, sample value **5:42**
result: **2:47**
